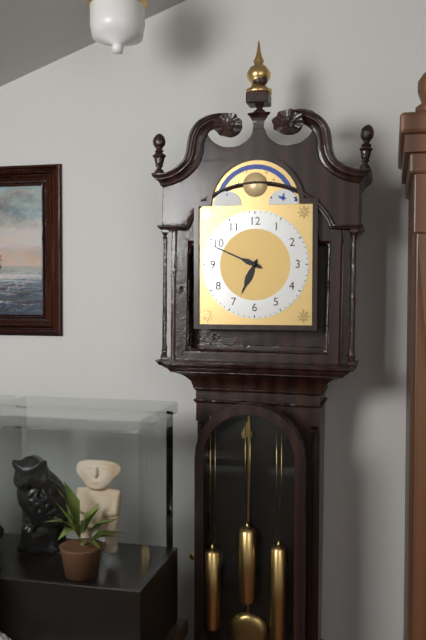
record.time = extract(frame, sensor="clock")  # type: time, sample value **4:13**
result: **6:49**
